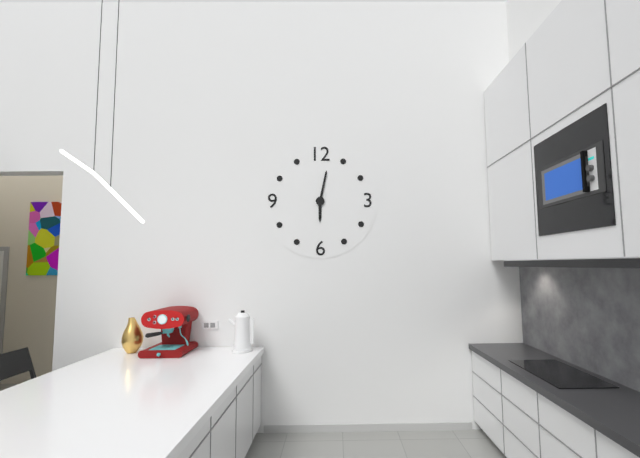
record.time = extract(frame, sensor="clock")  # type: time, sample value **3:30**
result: **6:02**
